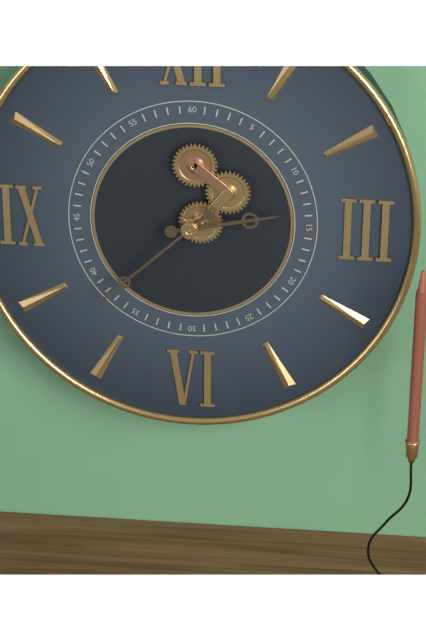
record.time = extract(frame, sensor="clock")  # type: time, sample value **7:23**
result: **2:38**
